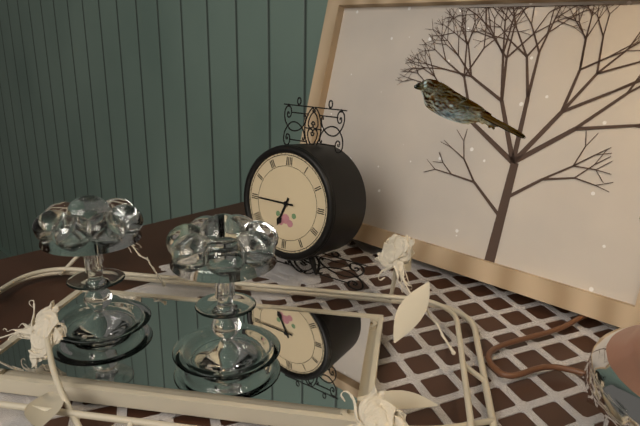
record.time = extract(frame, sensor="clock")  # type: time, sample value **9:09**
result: **6:45**
